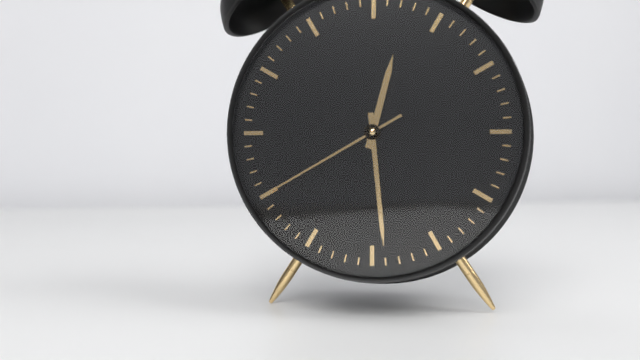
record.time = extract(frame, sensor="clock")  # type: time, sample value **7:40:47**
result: **12:29:40**
